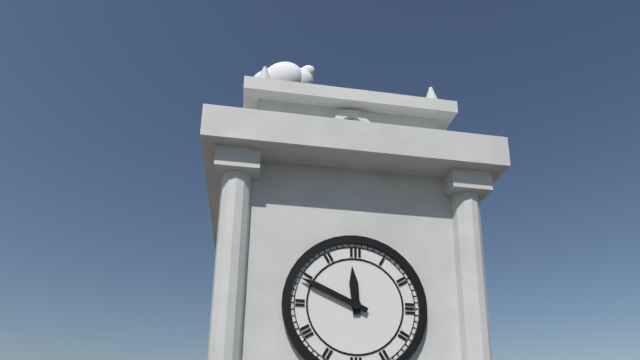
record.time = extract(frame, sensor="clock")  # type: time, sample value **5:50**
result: **11:49**
